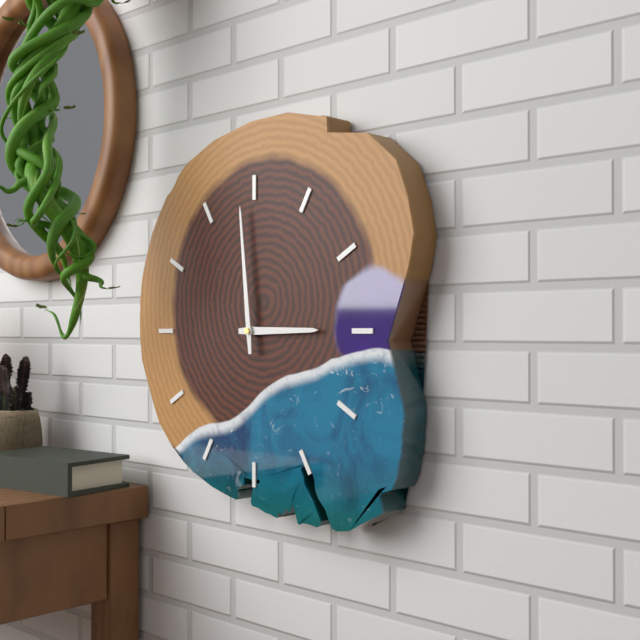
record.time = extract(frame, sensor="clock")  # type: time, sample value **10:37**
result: **2:59**
